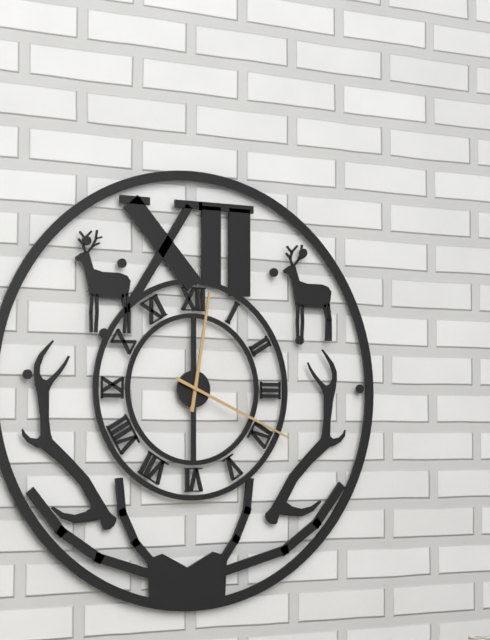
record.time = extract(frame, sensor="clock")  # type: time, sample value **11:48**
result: **12:19**
